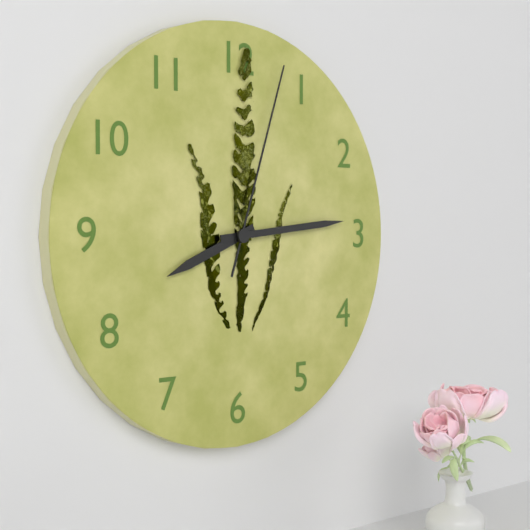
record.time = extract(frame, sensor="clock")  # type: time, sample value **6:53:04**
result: **8:14:03**
